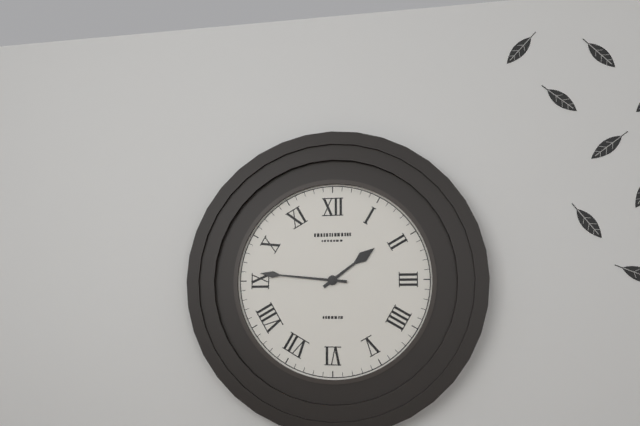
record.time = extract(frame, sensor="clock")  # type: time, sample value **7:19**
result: **1:46**
